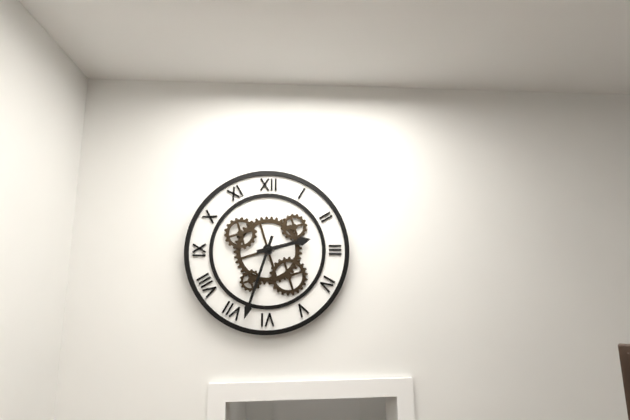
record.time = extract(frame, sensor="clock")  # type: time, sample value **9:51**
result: **2:33**
